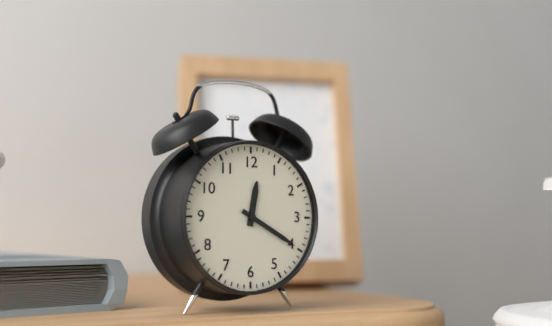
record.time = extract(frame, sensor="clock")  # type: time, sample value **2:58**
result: **12:20**
